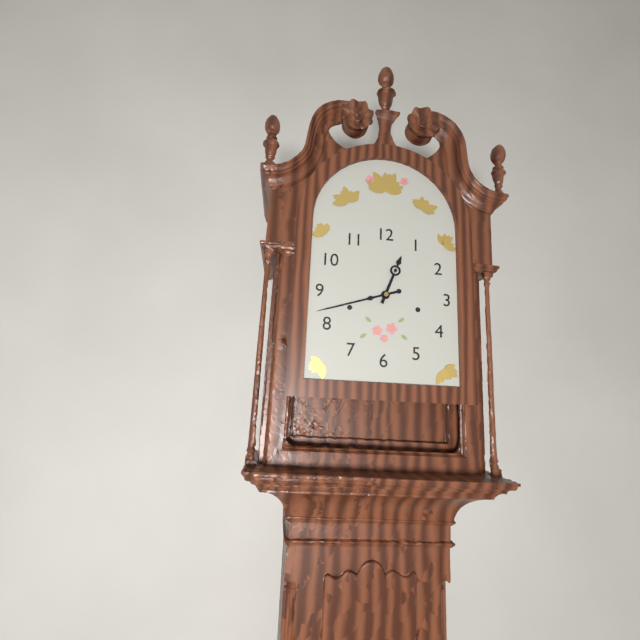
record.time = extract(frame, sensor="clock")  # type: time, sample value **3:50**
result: **12:42**
